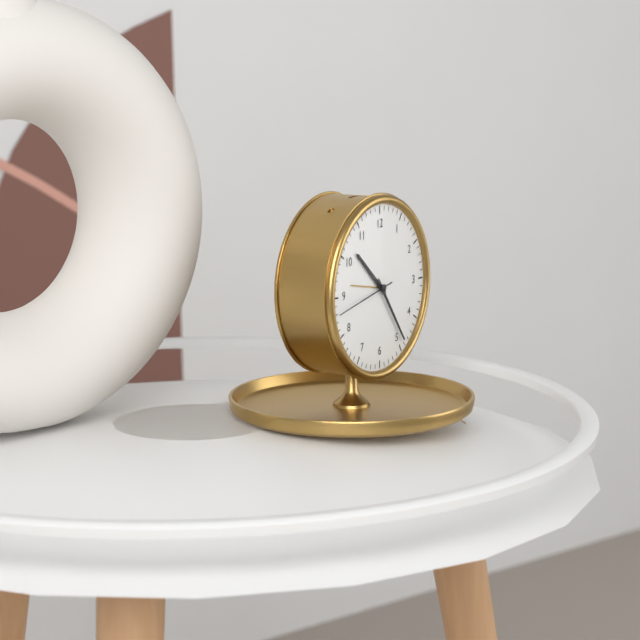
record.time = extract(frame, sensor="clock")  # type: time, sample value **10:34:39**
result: **10:24:43**
